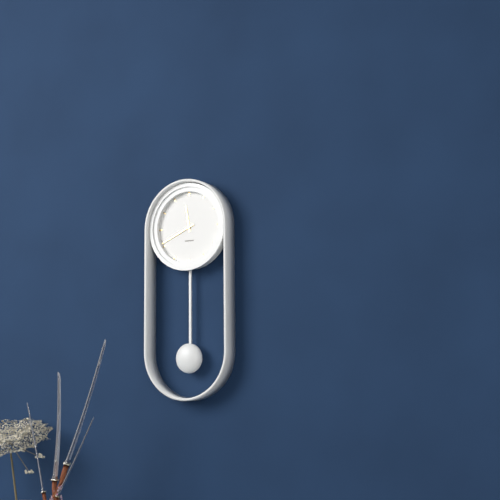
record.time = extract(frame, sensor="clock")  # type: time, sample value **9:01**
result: **11:41**
